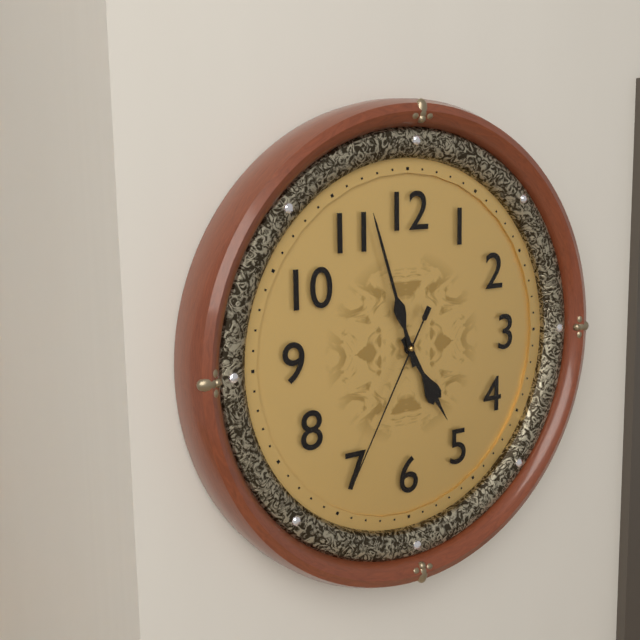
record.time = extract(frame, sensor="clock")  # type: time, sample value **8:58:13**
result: **4:57:35**
